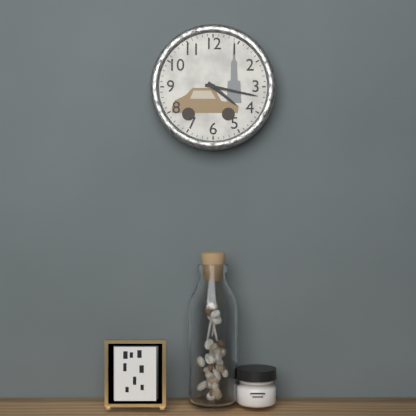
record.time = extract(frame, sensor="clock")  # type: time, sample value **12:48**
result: **4:17**
